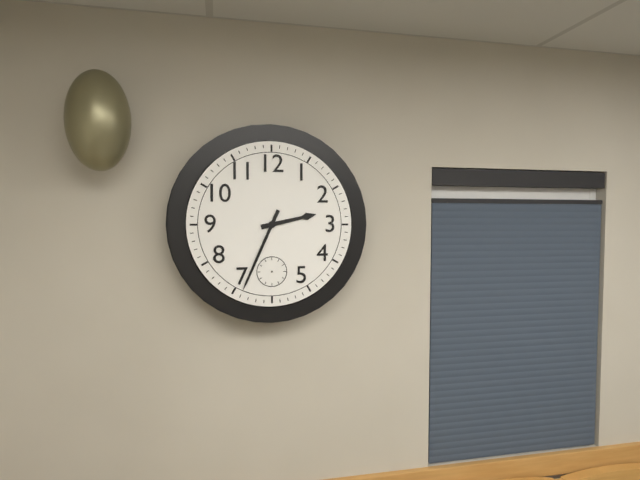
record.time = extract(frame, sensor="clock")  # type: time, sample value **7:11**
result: **2:34**
